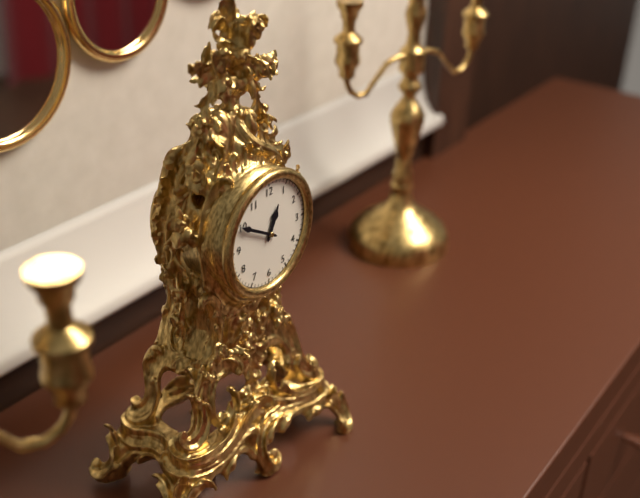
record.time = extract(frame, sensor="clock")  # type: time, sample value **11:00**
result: **12:50**
